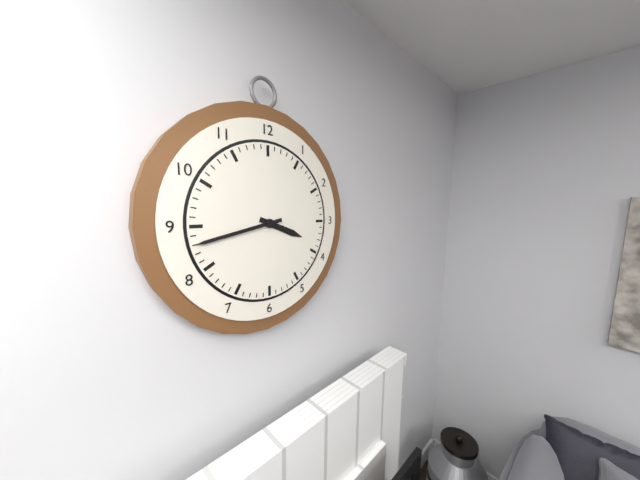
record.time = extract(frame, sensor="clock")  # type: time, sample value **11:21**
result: **3:43**
